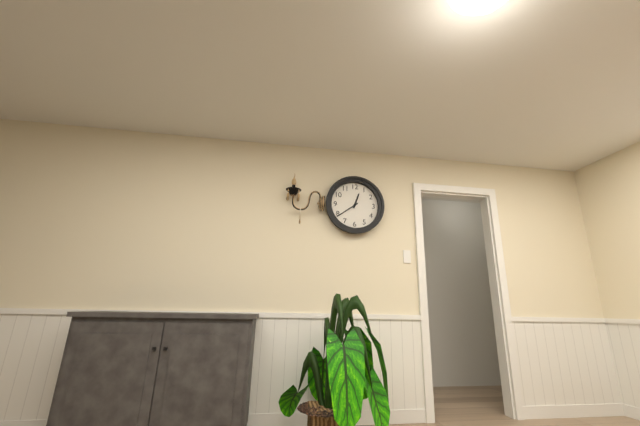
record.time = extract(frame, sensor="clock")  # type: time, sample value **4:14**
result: **12:39**
